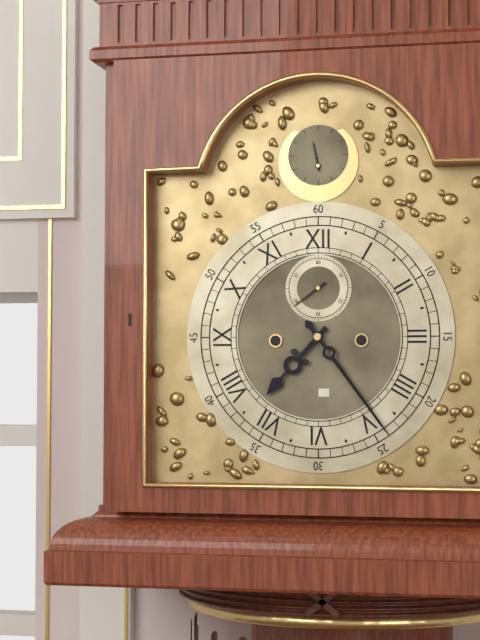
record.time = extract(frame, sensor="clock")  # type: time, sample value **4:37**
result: **7:24**
